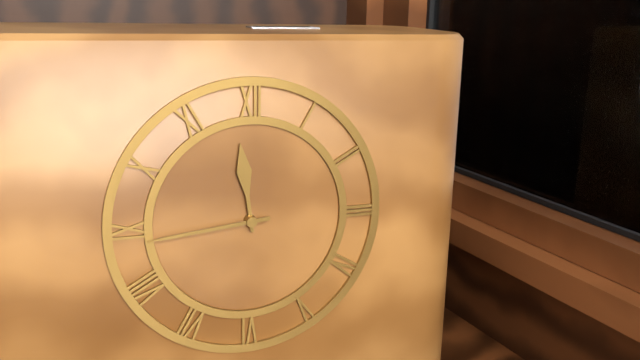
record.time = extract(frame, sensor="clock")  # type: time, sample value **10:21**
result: **11:44**
